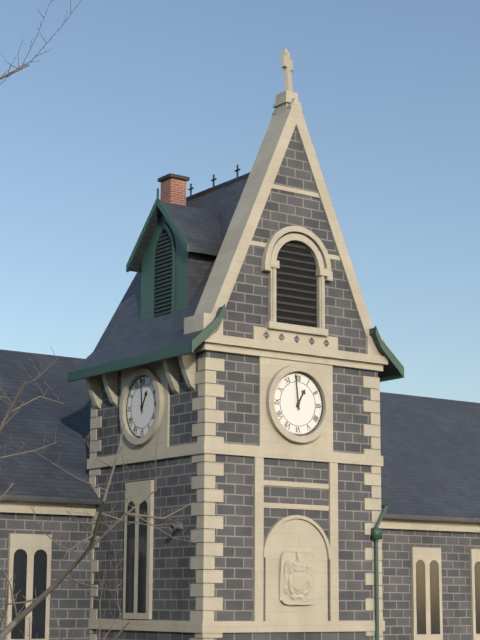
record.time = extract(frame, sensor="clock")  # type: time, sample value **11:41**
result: **12:59**
